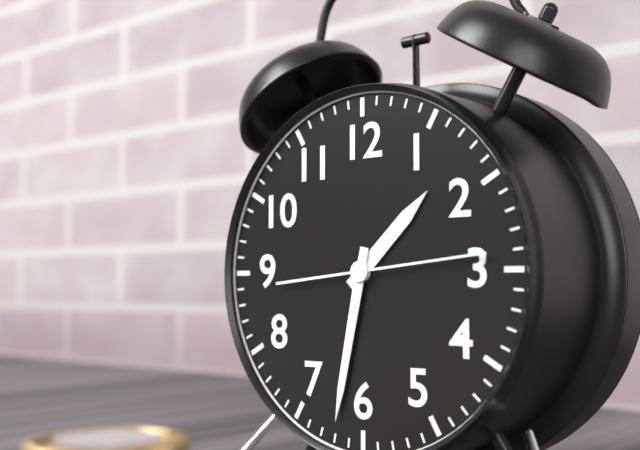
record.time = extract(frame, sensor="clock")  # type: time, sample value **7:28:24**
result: **1:32:14**
